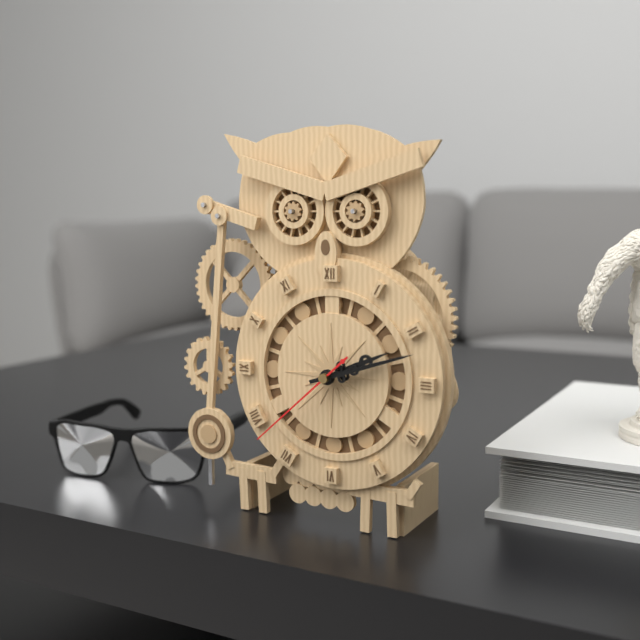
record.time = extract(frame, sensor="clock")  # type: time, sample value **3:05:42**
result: **2:12:38**
